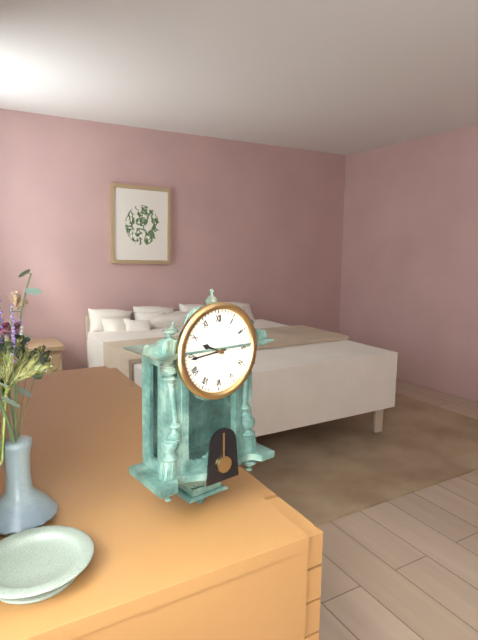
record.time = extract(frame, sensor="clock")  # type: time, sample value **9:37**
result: **9:44**
